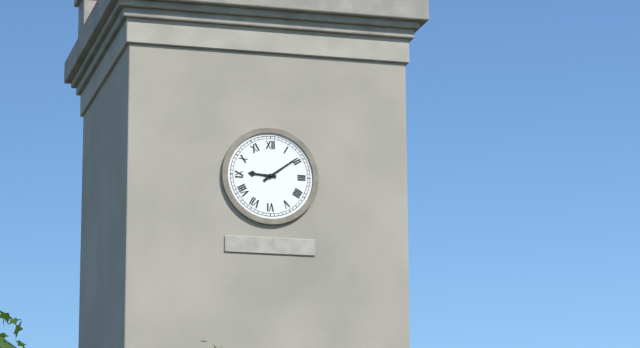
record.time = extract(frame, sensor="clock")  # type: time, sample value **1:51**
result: **9:09**
